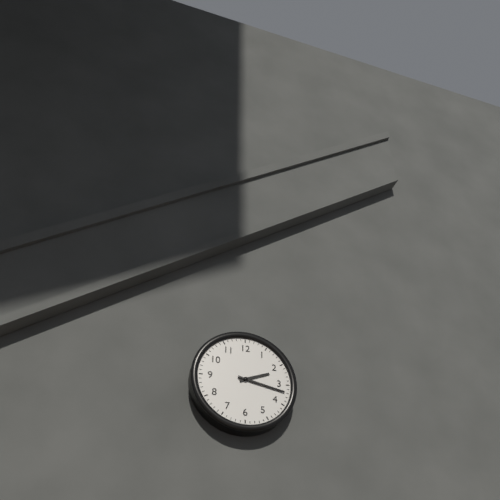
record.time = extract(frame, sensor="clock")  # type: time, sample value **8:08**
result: **2:17**
